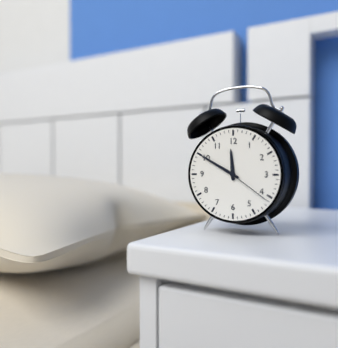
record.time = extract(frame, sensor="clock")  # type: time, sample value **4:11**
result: **11:50**
